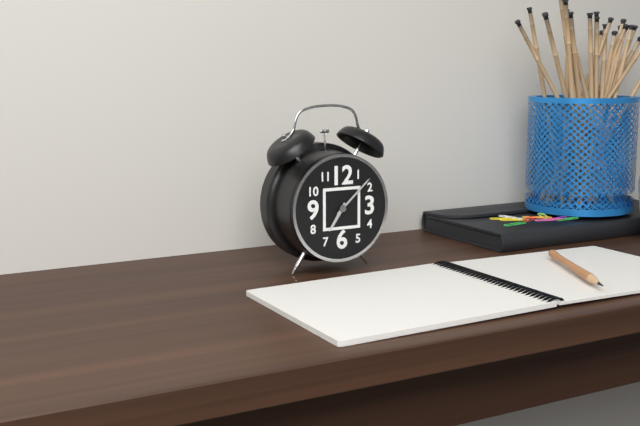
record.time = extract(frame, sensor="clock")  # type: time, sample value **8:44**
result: **7:08**
